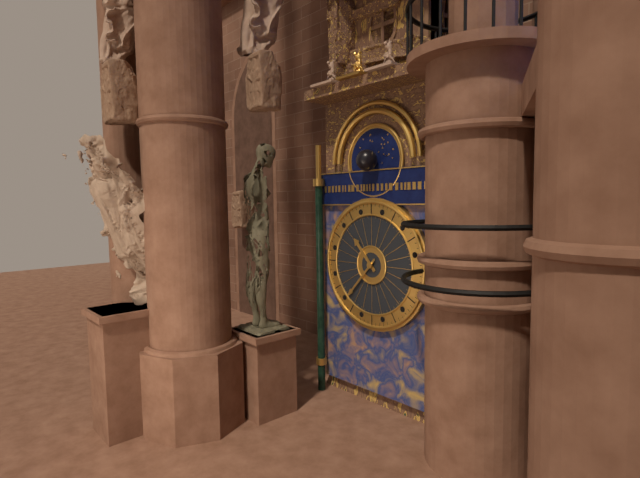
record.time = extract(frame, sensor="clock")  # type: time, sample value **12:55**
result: **10:37**
